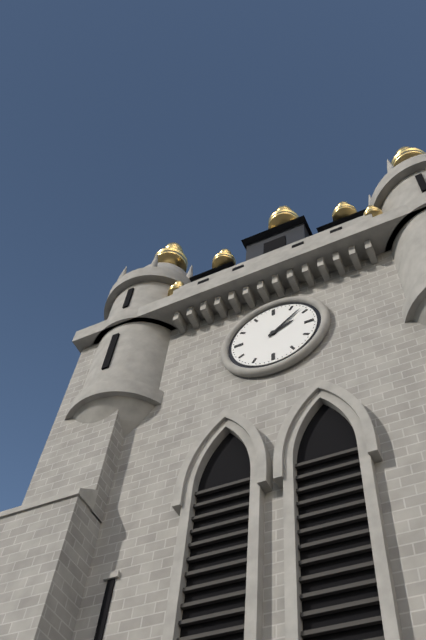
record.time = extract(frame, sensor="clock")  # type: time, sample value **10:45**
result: **2:08**
